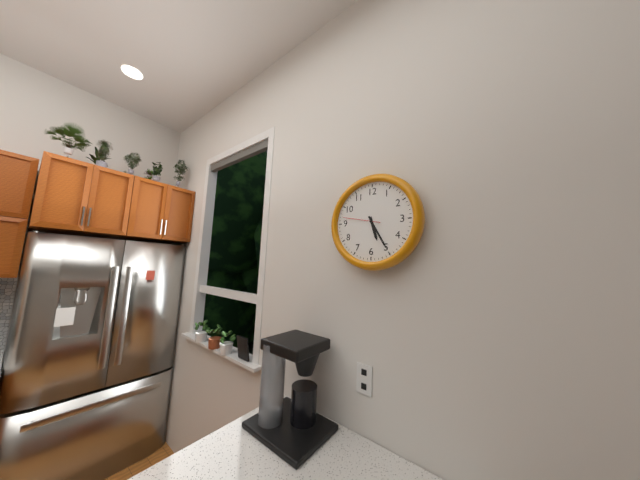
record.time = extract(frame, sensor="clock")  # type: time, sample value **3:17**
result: **5:25**
